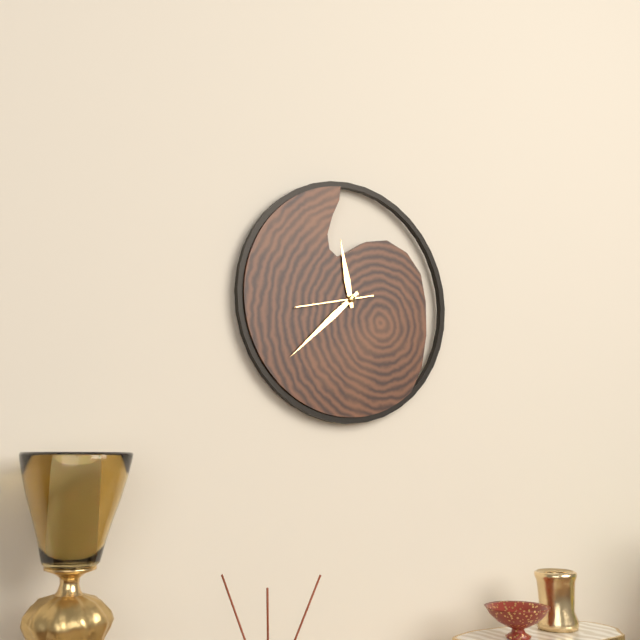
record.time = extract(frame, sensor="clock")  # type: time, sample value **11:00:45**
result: **11:38:43**
